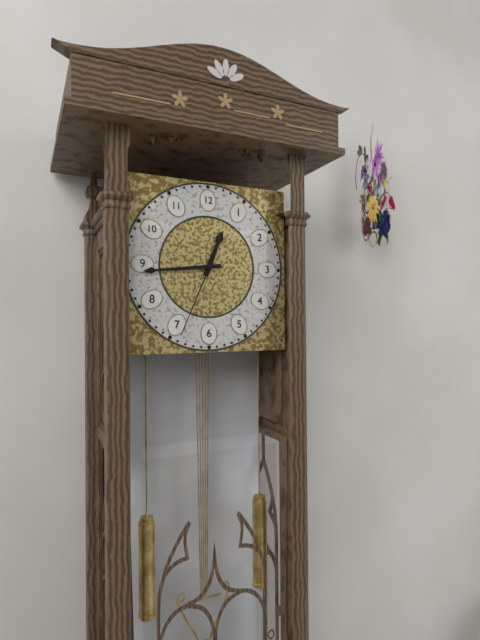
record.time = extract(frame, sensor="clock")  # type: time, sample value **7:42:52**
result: **12:44:34**
